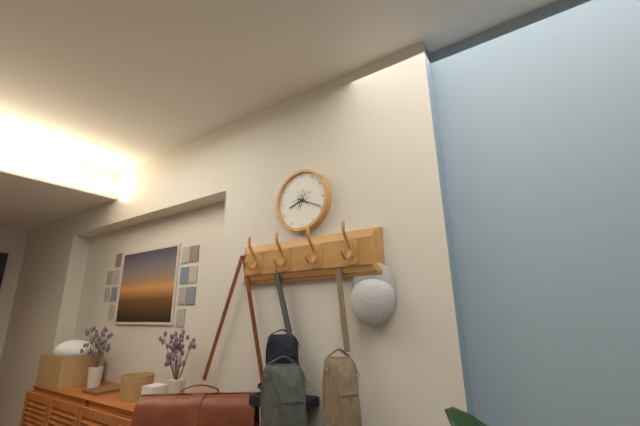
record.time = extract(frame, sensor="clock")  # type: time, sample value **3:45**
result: **8:19**
